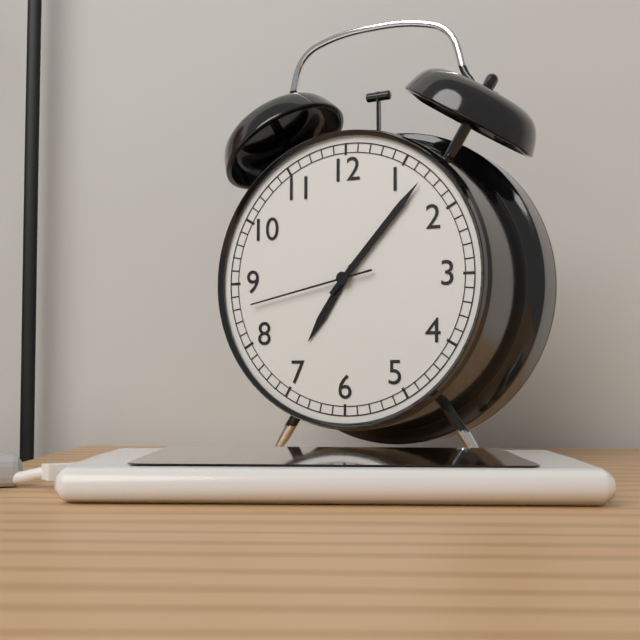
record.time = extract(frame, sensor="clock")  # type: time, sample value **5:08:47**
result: **7:07:43**
